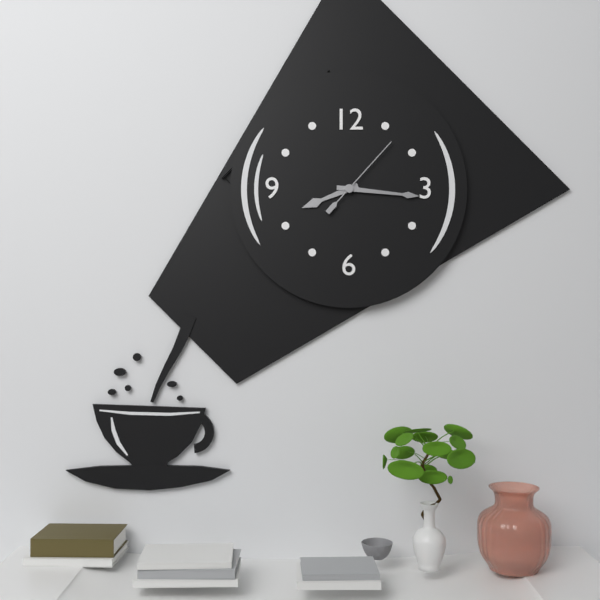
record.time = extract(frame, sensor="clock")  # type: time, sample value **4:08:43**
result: **8:16:07**
